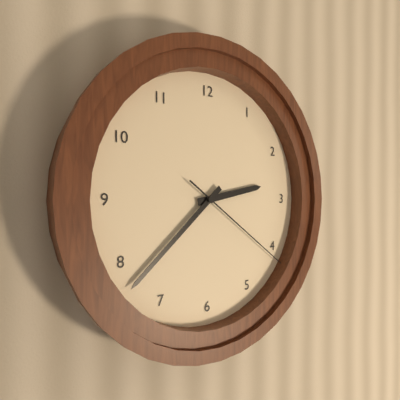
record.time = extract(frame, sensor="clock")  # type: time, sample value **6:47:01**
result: **2:38:21**
